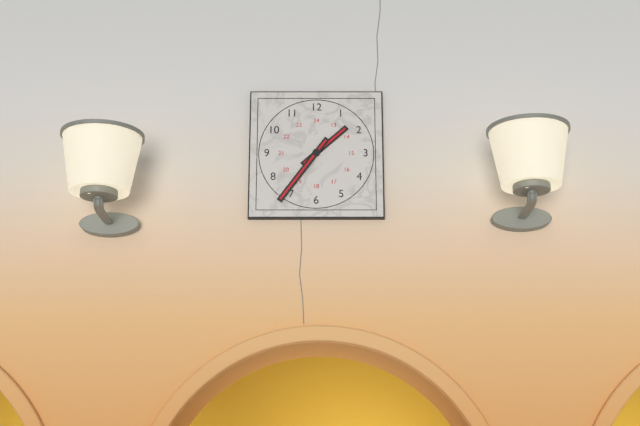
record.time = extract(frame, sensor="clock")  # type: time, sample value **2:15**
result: **1:36**
